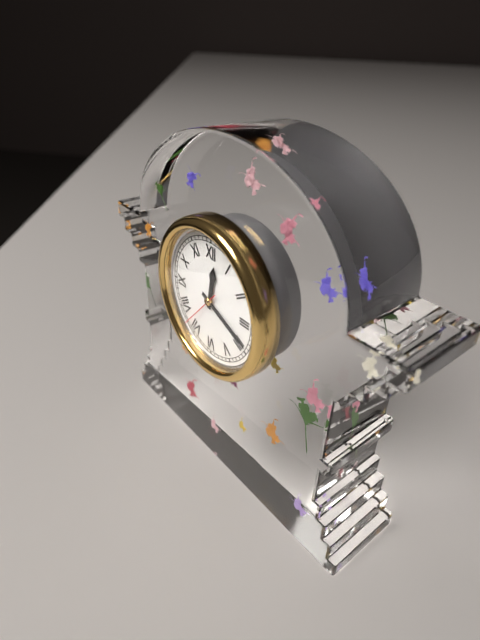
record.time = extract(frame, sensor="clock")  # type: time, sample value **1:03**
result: **12:19**
